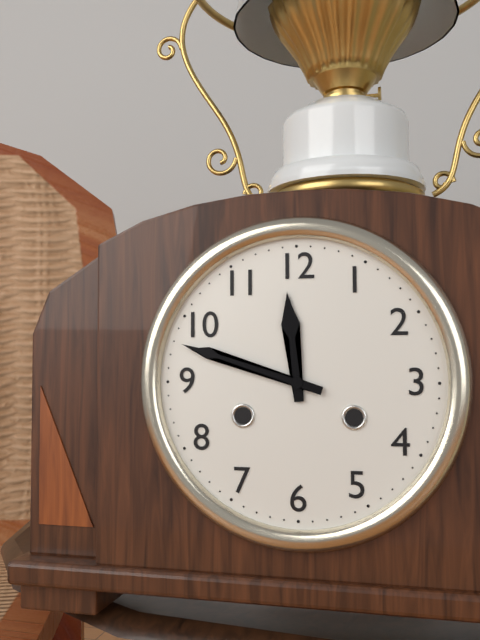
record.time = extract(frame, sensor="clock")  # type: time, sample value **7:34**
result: **11:48**
